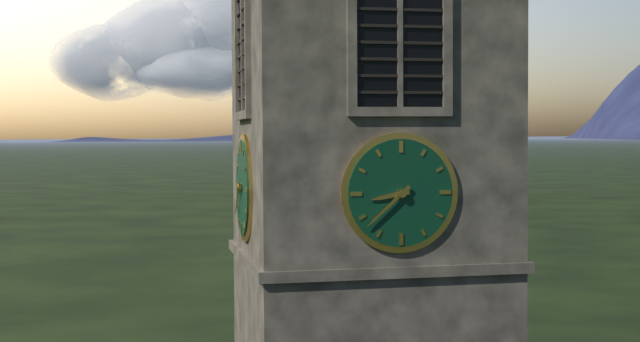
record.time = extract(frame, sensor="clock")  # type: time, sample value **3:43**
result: **8:38**
